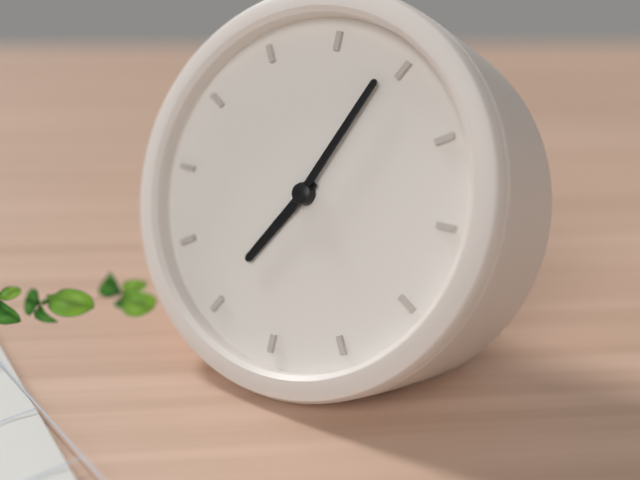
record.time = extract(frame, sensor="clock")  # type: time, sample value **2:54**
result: **7:04**
